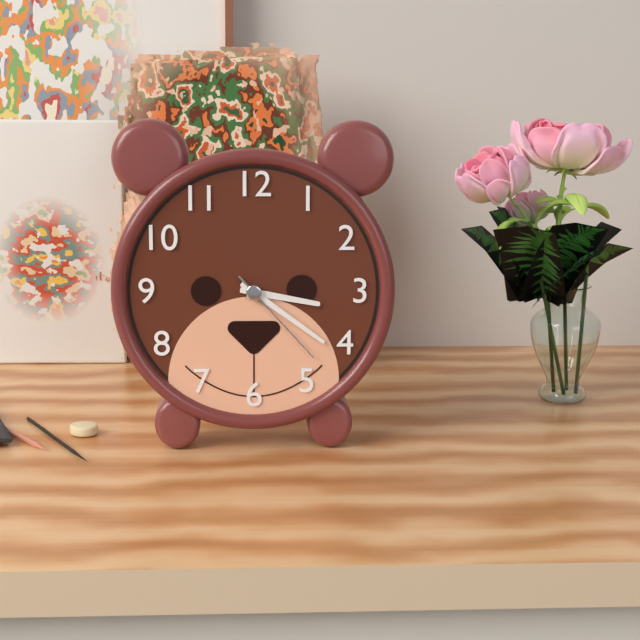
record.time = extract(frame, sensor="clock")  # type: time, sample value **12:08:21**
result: **3:21:23**
